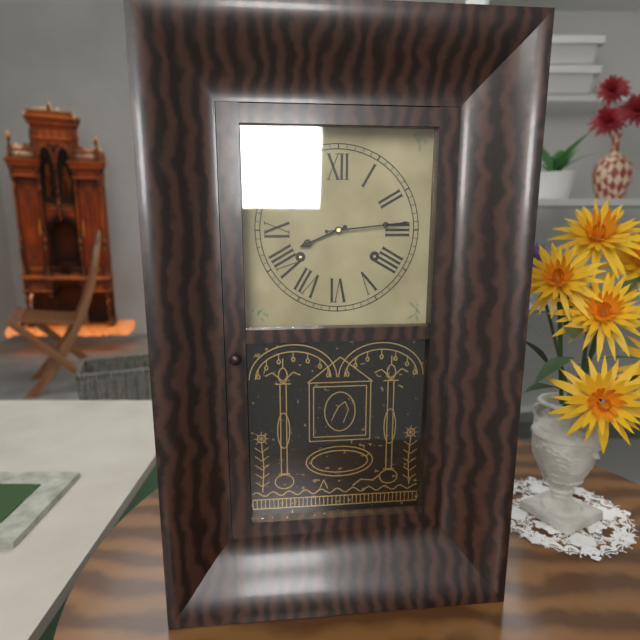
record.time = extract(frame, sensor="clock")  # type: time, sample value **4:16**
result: **8:14**
